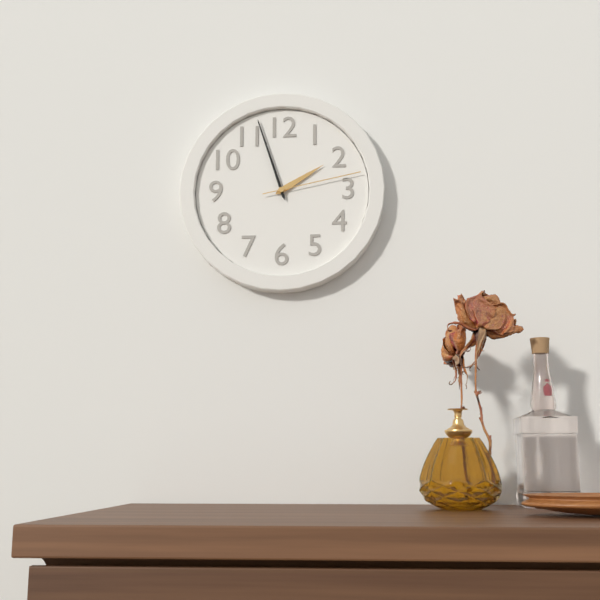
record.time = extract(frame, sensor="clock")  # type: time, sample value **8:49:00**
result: **1:57:13**
